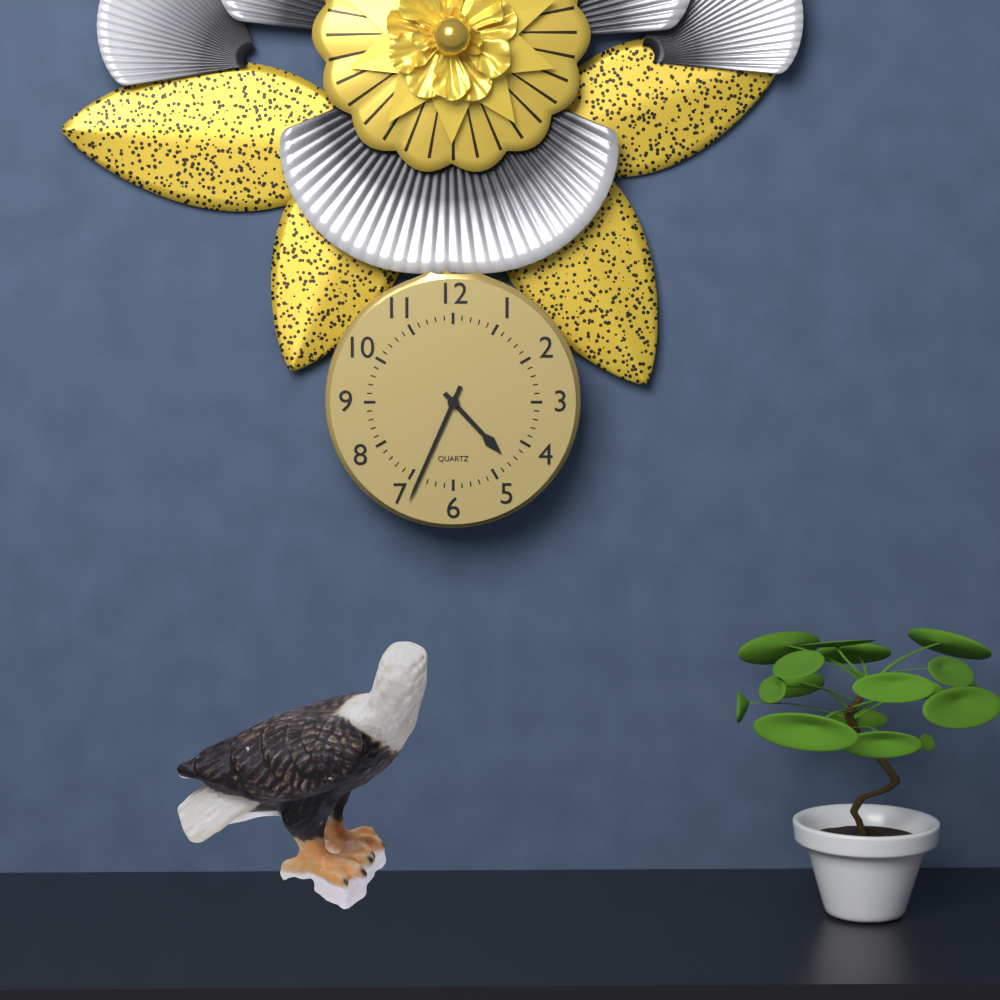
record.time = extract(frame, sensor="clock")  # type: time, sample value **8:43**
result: **4:34**
